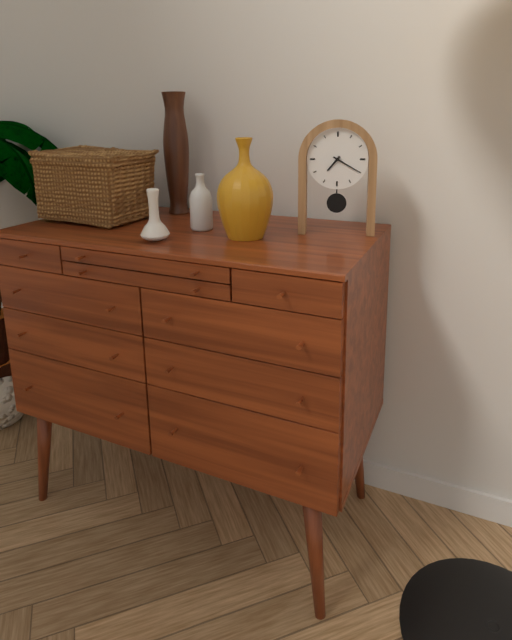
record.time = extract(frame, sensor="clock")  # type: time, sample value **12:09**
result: **7:20**
